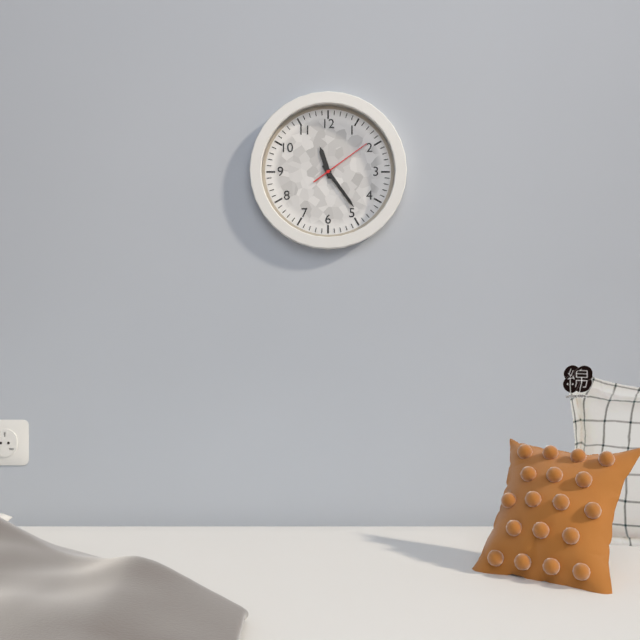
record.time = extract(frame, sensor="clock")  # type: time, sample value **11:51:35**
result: **11:24:09**
